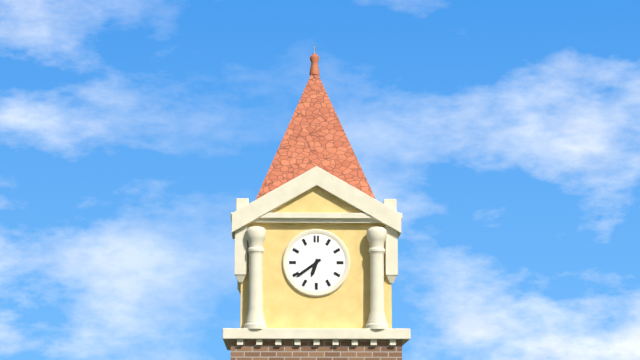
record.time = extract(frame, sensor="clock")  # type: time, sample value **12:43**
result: **6:39**
